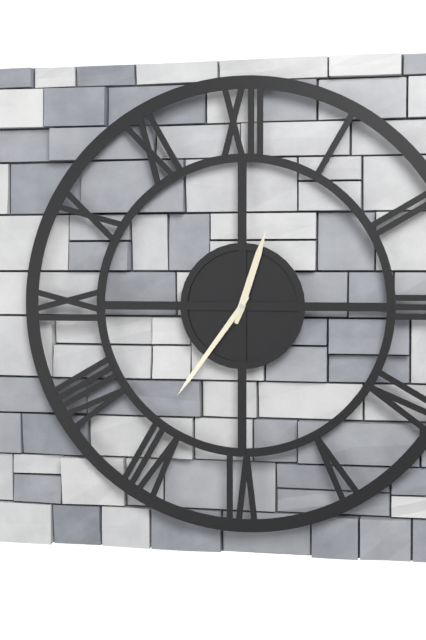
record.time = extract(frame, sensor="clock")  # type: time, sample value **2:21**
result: **12:36**
